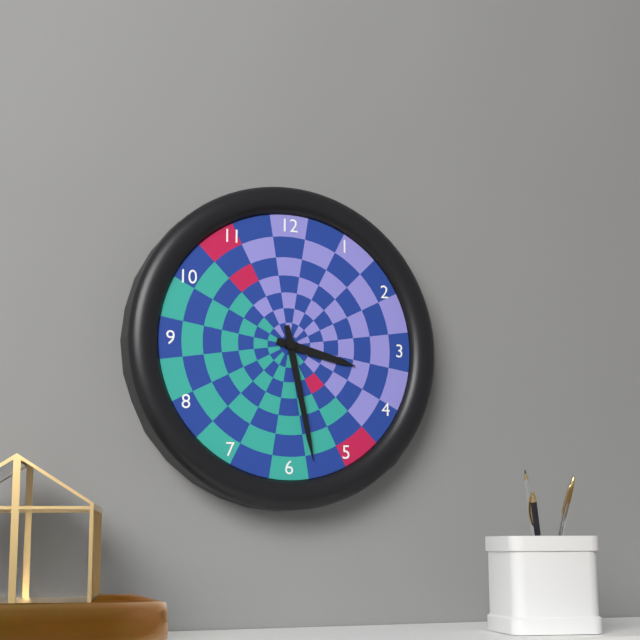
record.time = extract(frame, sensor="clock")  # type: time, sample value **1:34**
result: **3:28**
